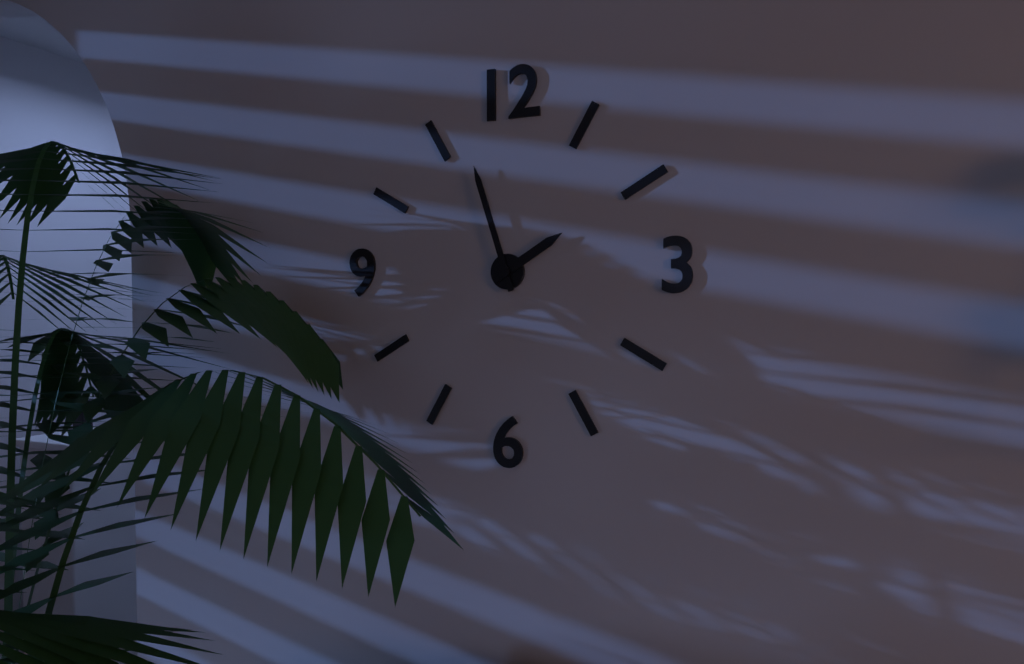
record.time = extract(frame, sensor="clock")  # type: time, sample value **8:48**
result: **1:57**
